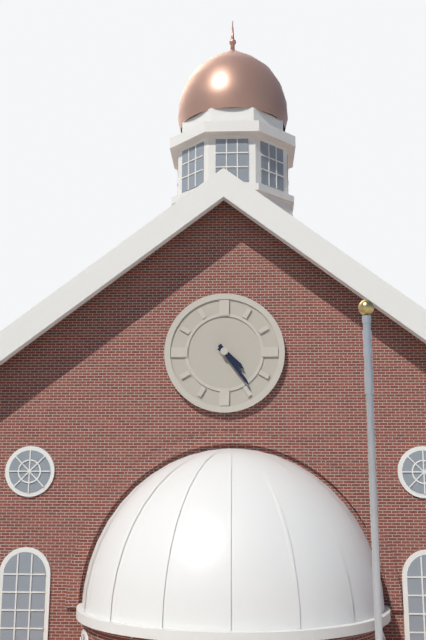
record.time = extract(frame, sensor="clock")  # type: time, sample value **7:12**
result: **4:24**
